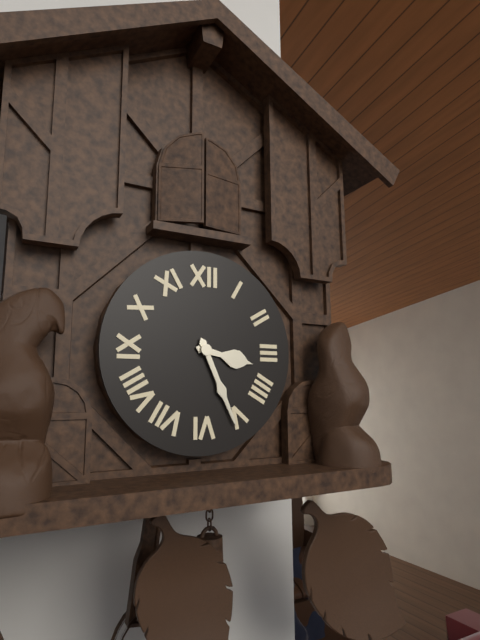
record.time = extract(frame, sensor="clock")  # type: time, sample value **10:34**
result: **3:26**
